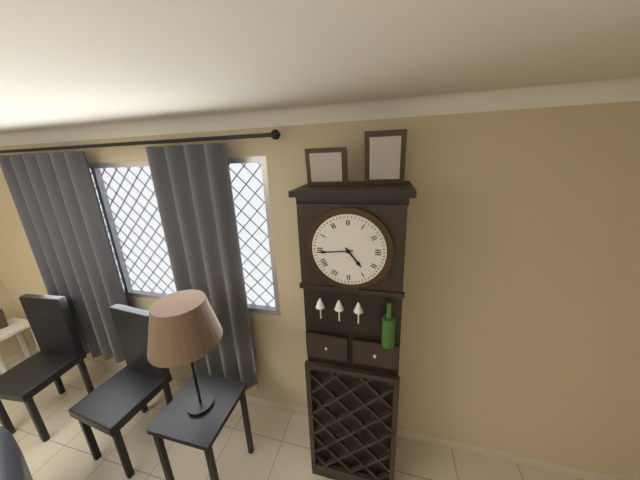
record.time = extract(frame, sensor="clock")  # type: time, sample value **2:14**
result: **4:44**
